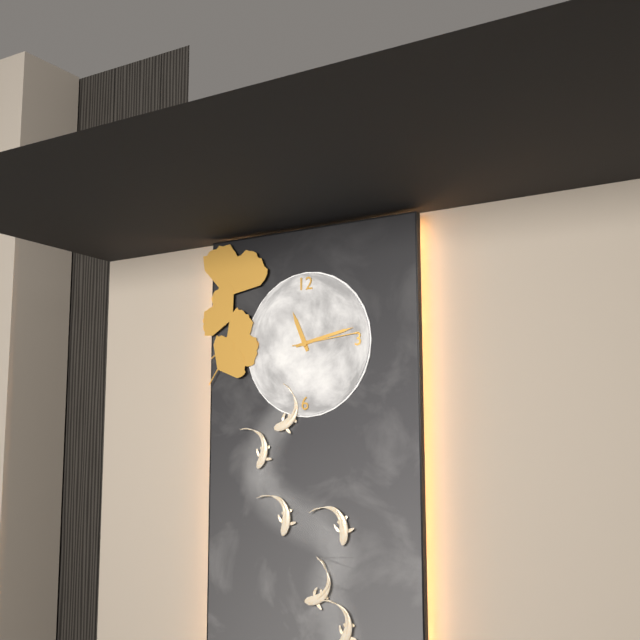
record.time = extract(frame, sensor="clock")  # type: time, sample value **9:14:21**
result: **11:13:14**
